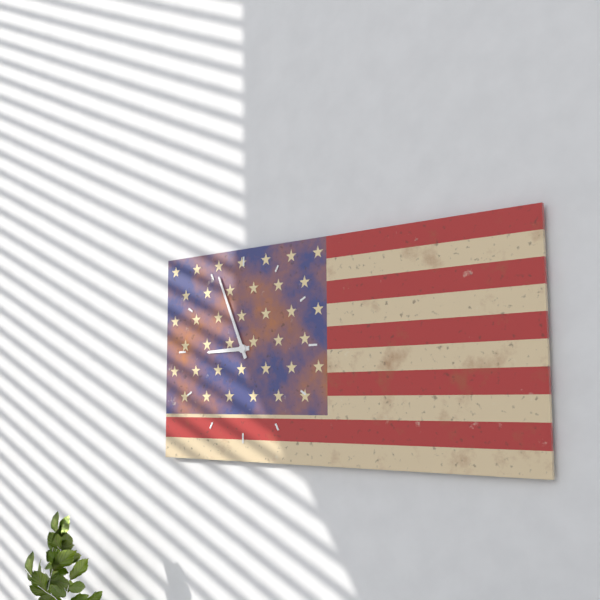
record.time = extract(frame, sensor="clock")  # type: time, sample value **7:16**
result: **8:56**
